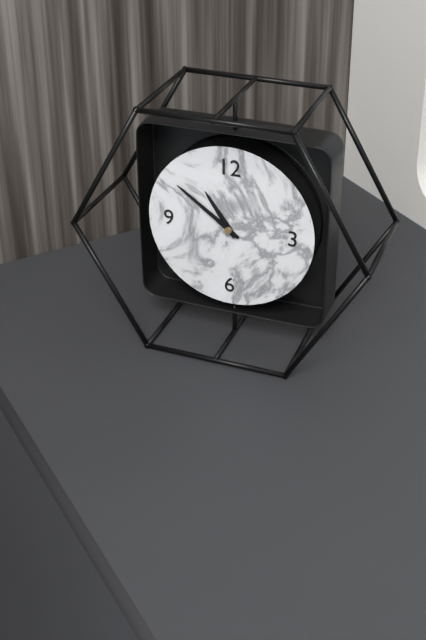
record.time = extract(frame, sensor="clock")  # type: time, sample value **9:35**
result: **10:51**
